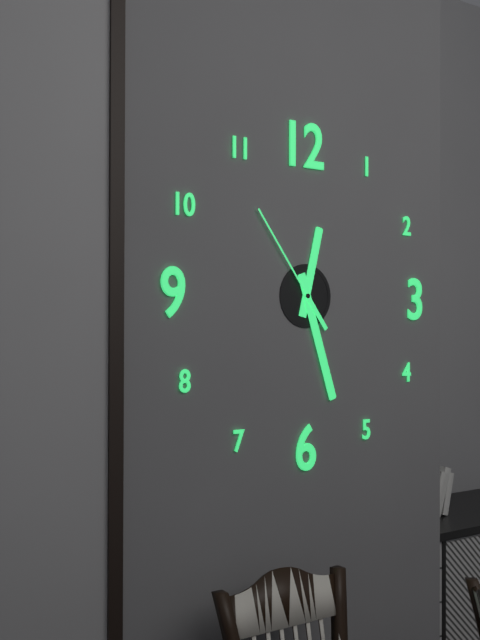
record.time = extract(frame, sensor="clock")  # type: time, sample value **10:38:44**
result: **12:27:54**
